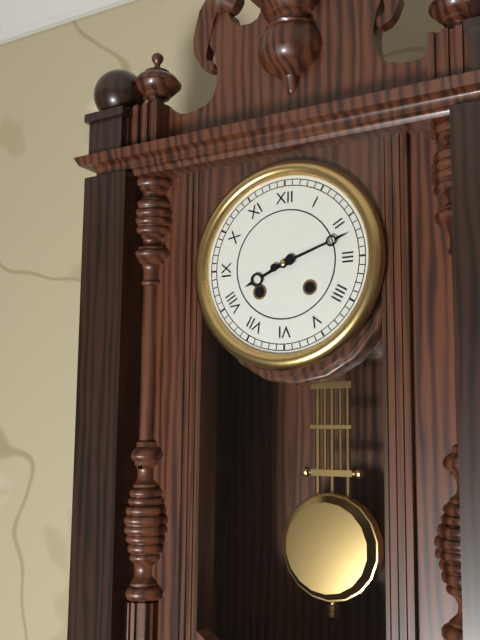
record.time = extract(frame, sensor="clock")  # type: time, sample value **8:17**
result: **8:12**
